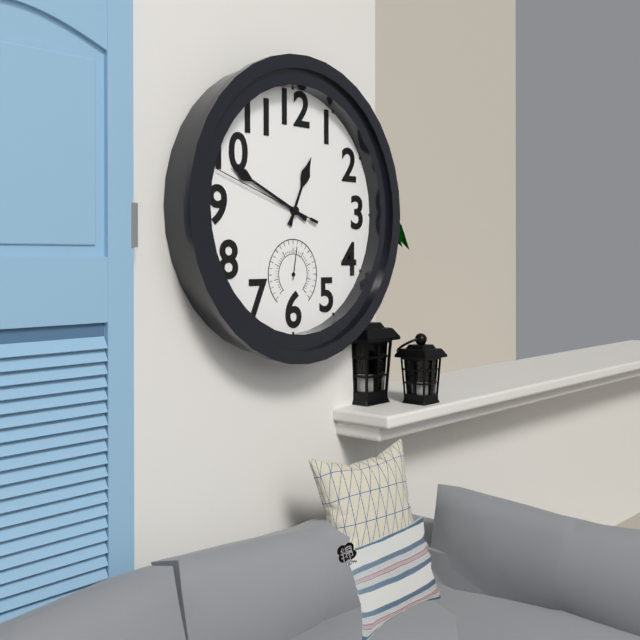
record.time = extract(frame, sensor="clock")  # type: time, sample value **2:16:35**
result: **12:49:48**
